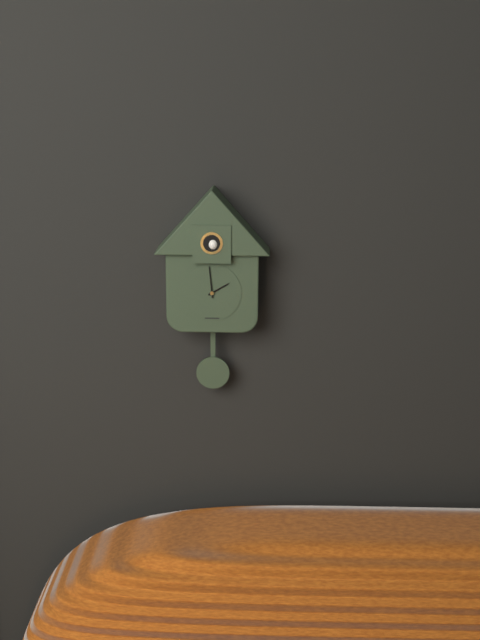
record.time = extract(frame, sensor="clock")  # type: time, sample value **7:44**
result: **1:59**
